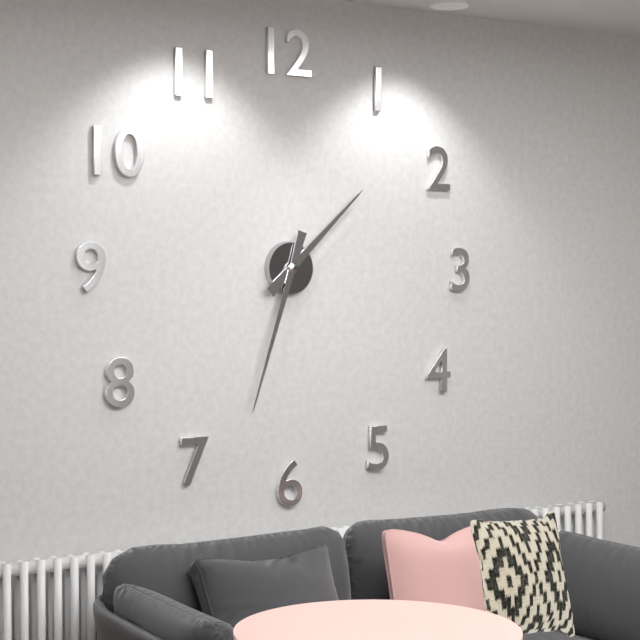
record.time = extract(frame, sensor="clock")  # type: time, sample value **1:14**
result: **1:33**
